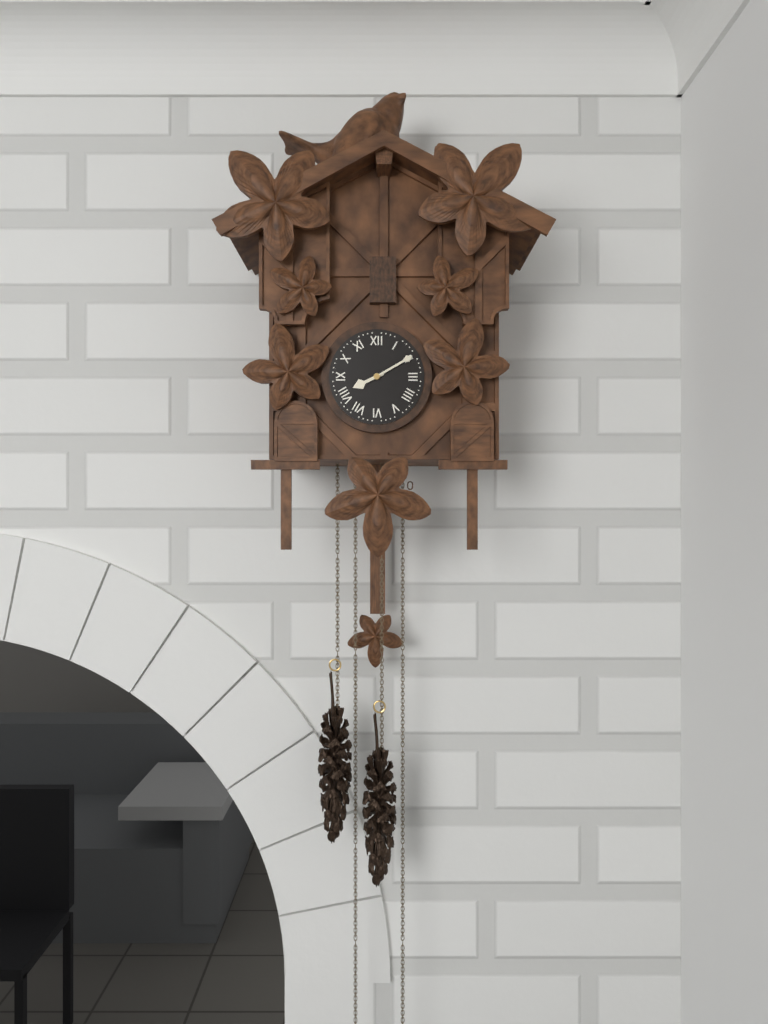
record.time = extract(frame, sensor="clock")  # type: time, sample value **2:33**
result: **8:10**
